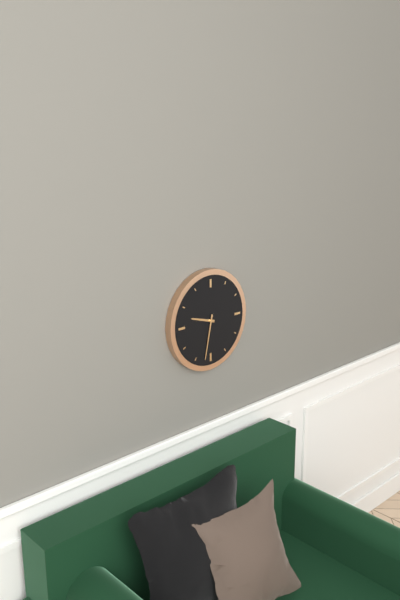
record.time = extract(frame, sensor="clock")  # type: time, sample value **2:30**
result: **9:32**
